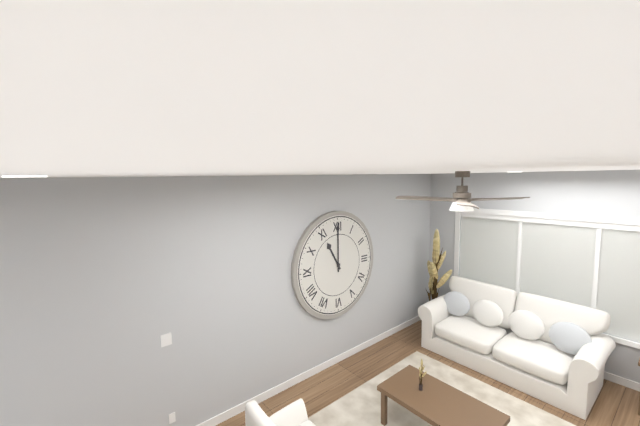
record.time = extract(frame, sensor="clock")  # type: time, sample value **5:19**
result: **11:00**
